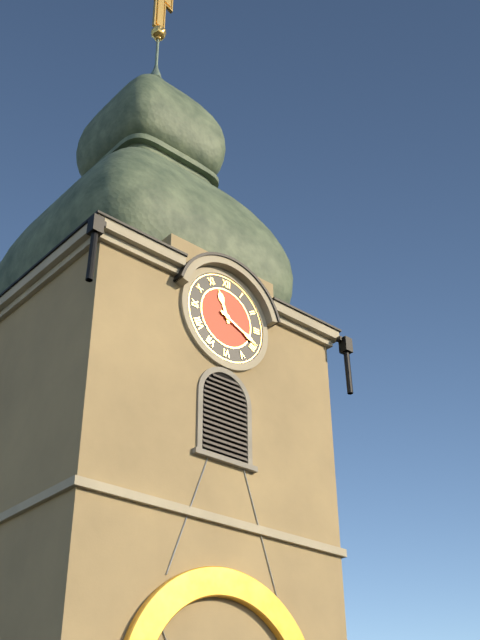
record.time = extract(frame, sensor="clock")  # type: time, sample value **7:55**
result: **11:19**
